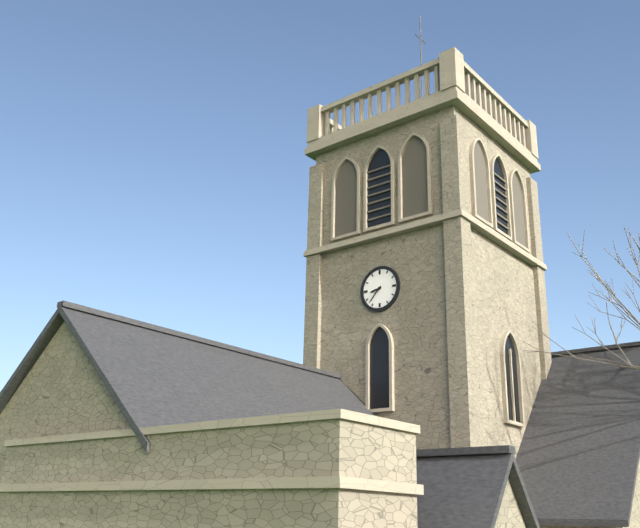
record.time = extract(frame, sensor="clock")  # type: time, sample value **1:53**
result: **8:37**
